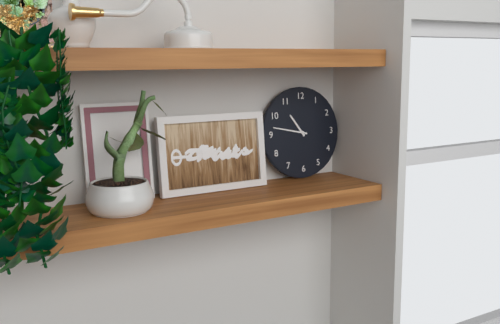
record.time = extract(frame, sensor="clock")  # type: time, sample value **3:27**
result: **10:47**
